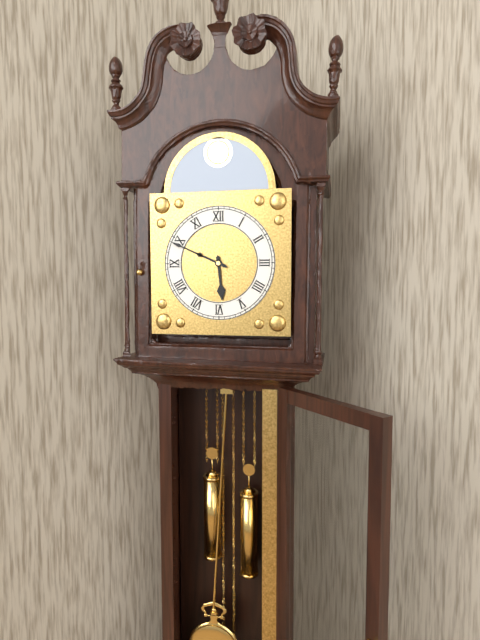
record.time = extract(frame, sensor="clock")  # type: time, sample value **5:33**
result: **5:49**
